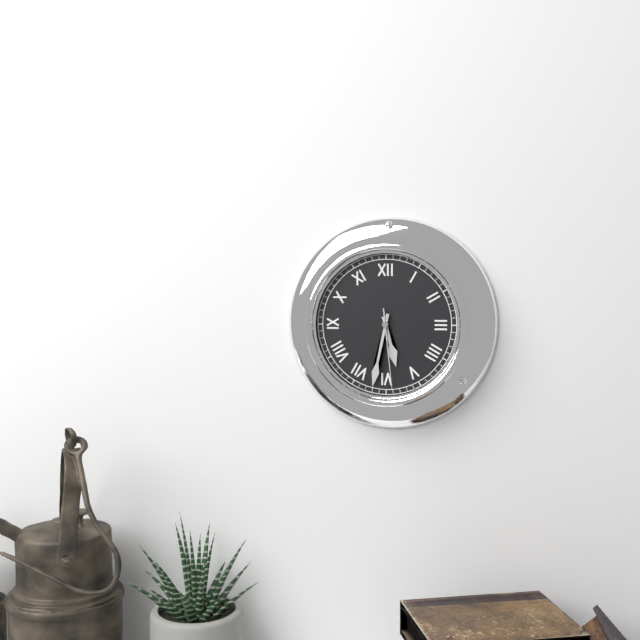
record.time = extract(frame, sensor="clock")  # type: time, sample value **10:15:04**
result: **5:32:29**
